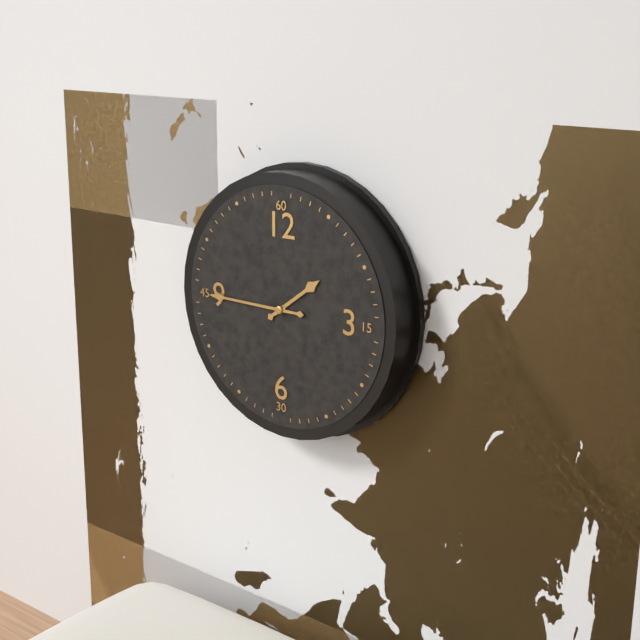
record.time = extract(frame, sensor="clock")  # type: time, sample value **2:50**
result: **1:45**
